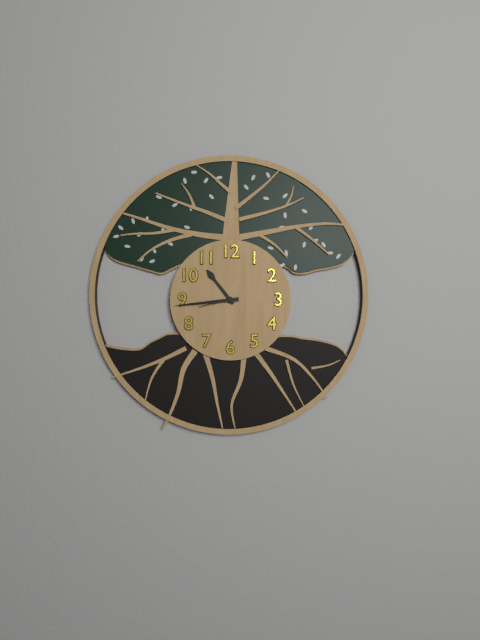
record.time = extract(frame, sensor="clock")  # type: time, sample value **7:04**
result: **10:44**
